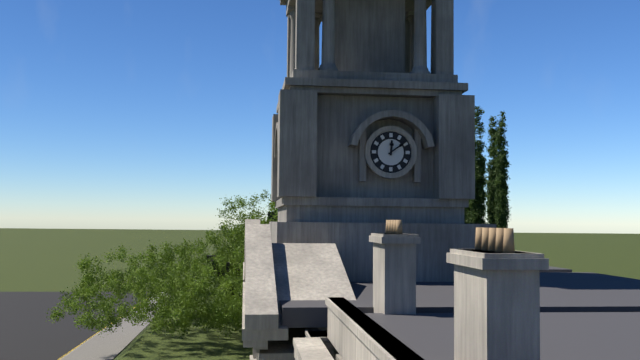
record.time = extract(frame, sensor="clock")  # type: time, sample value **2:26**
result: **12:09**
